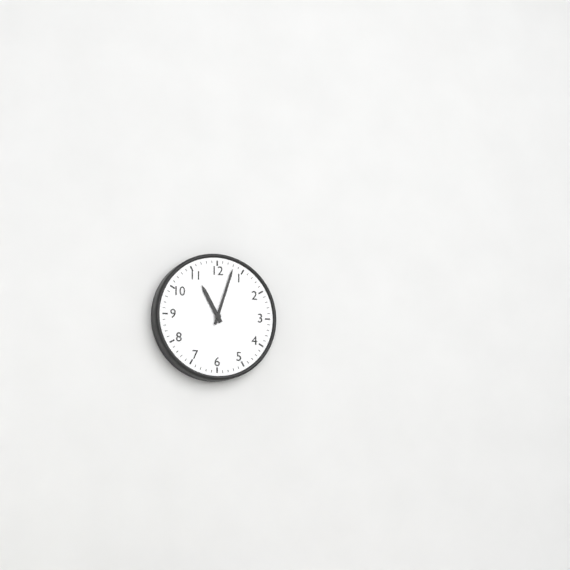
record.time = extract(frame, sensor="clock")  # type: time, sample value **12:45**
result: **11:03**
